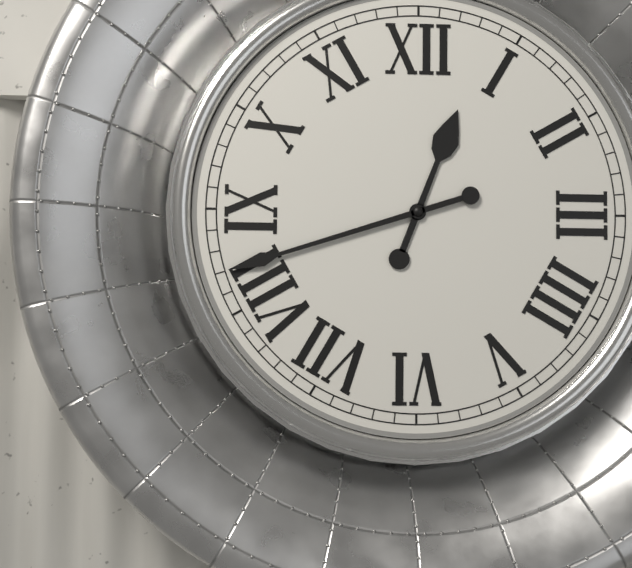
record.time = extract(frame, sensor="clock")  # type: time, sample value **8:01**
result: **12:42**
